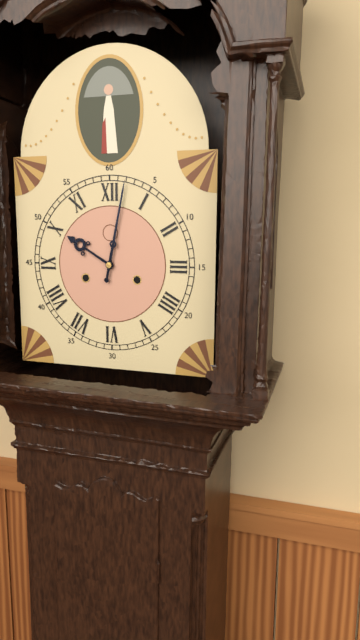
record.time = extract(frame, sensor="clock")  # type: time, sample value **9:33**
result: **10:02**
